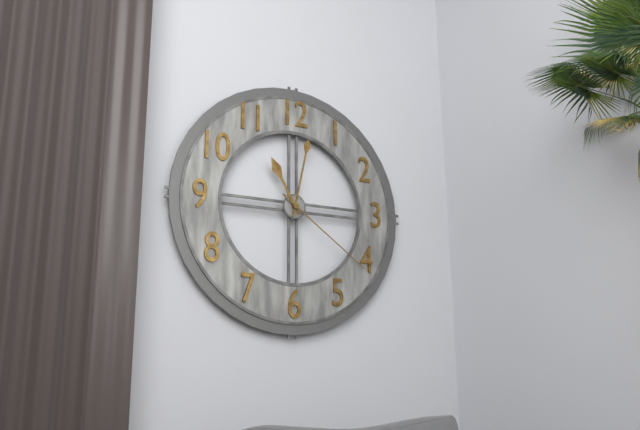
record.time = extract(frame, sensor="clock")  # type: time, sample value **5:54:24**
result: **11:02:21**
